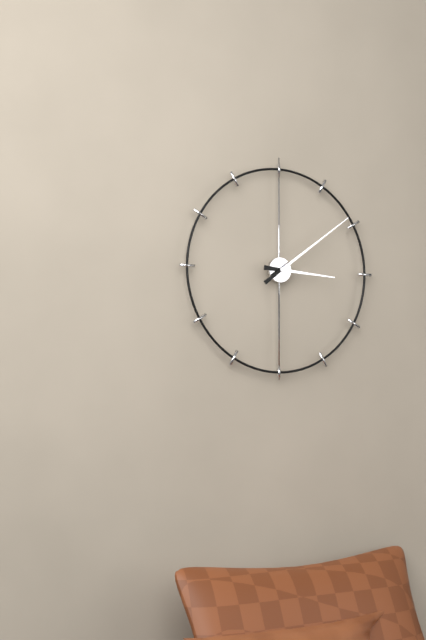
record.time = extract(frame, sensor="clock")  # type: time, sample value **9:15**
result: **3:09**
